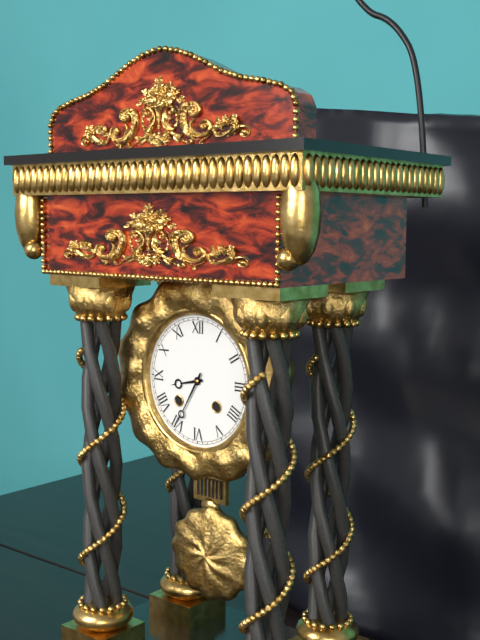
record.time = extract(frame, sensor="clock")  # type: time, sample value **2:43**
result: **8:35**
